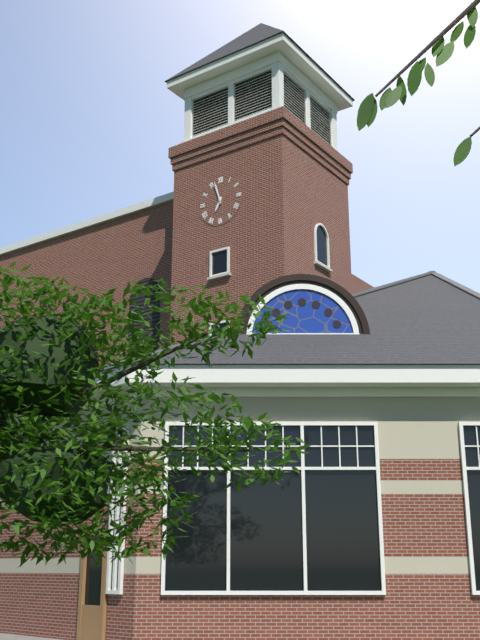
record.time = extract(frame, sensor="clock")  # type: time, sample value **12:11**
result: **6:57**
